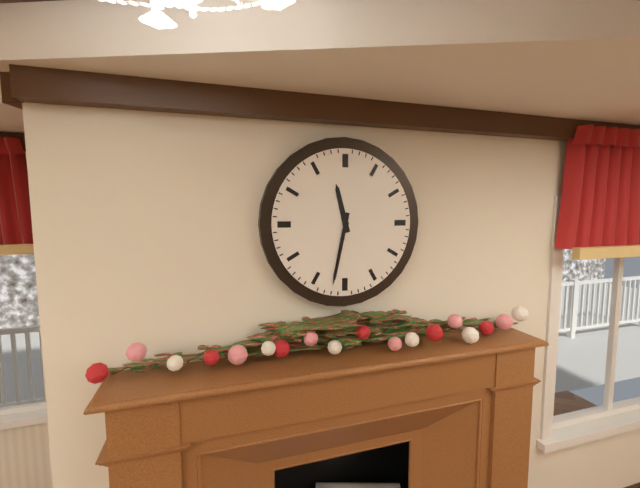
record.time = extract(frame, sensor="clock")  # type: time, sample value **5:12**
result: **11:32**
